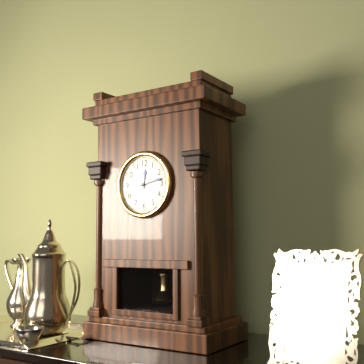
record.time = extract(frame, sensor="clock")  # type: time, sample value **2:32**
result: **12:13**
